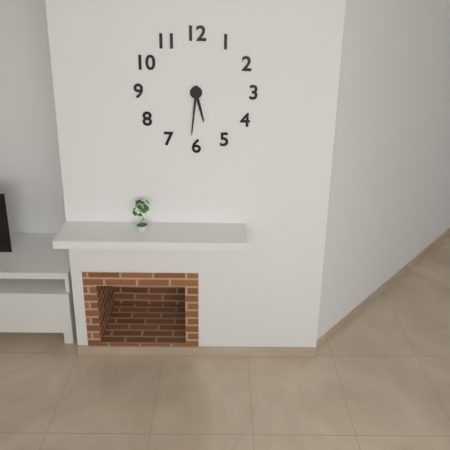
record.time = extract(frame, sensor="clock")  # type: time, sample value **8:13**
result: **5:31**
